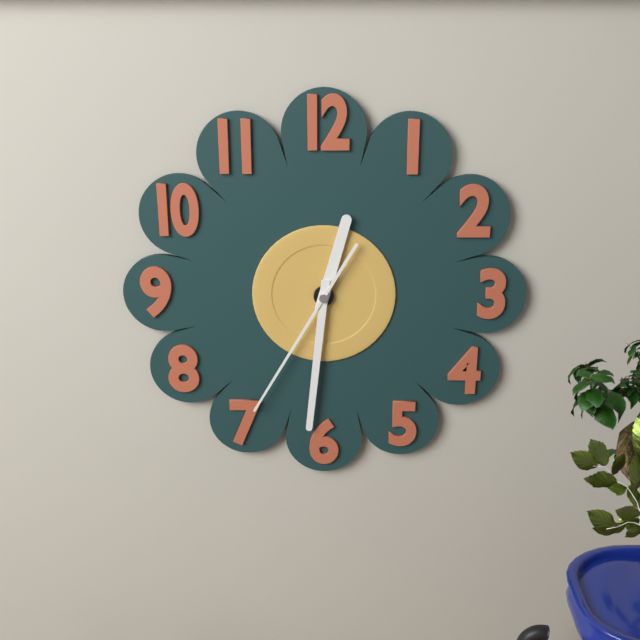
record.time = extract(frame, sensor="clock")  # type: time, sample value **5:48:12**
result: **12:31:35**
